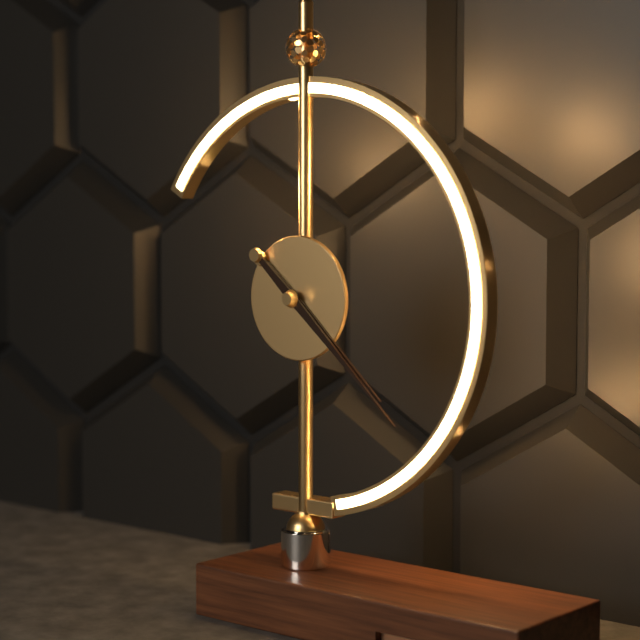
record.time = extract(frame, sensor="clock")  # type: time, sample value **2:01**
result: **4:22**
